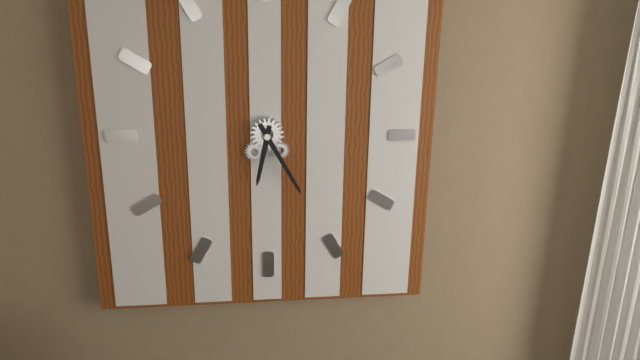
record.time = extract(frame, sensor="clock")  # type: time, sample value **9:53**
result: **6:25**
